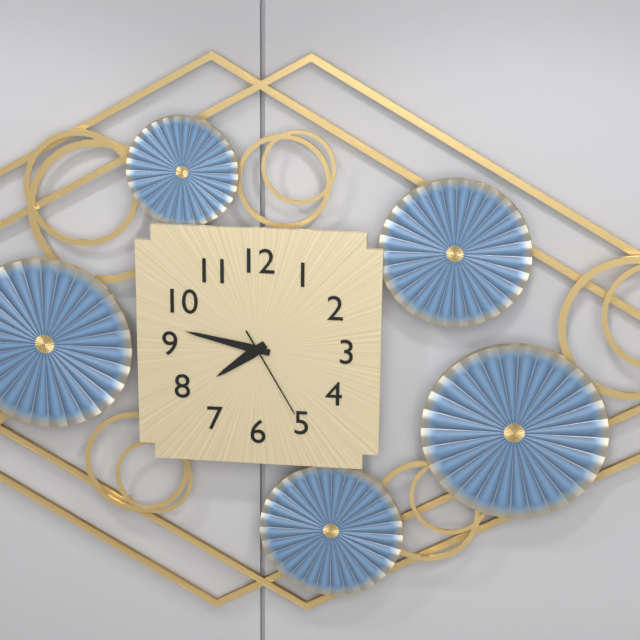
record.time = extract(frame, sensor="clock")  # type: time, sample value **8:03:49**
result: **7:47:25**
